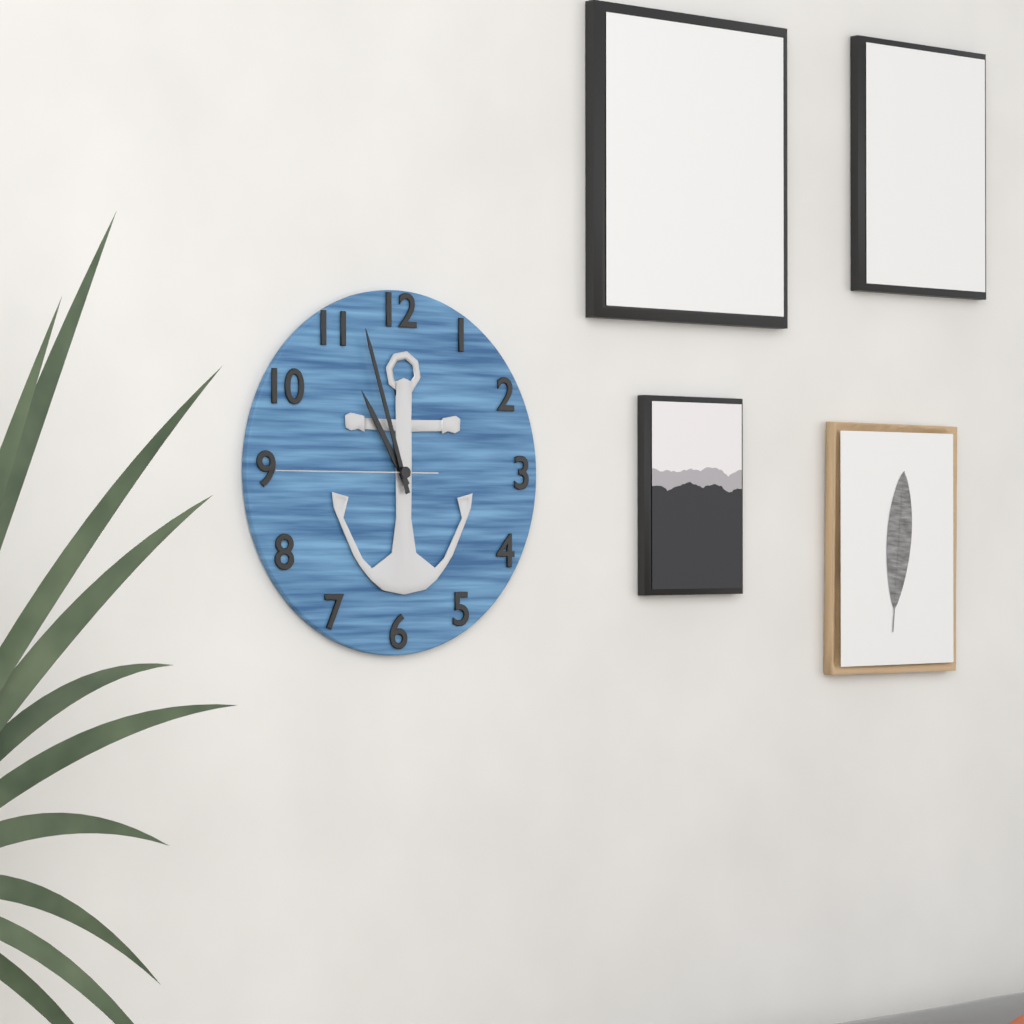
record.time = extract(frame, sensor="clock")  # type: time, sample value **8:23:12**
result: **10:57:45**
